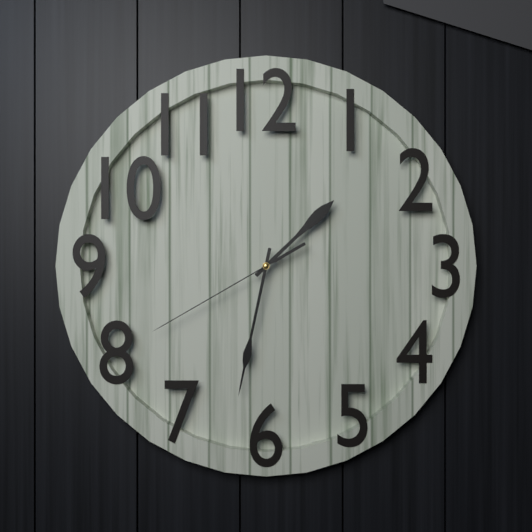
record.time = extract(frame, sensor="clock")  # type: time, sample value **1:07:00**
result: **1:32:40**
